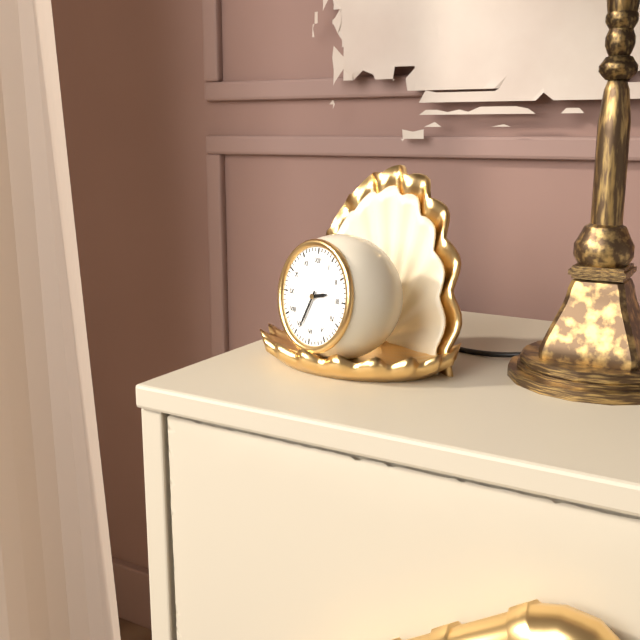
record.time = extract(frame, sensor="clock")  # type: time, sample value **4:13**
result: **2:34**
